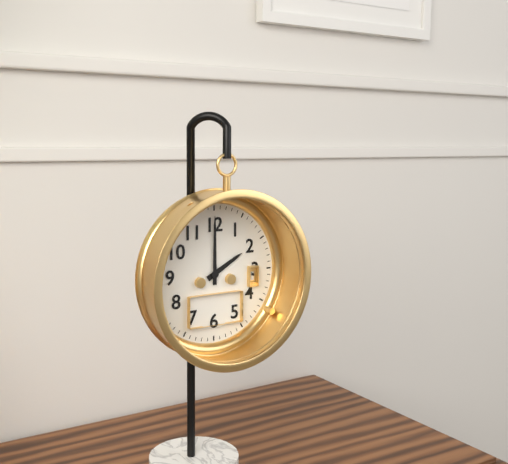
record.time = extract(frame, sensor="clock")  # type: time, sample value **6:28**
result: **2:00**
